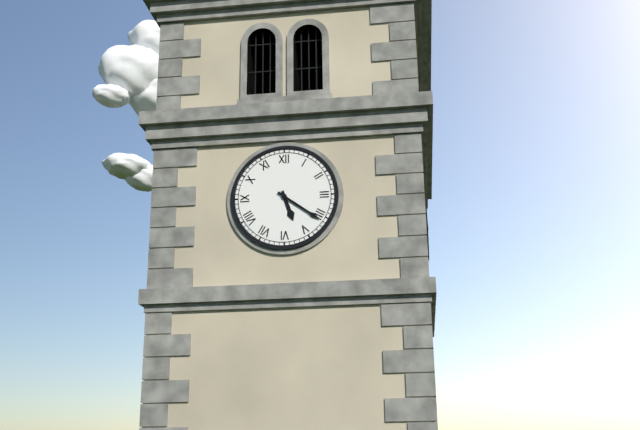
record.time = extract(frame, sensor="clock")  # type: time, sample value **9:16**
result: **5:21**
